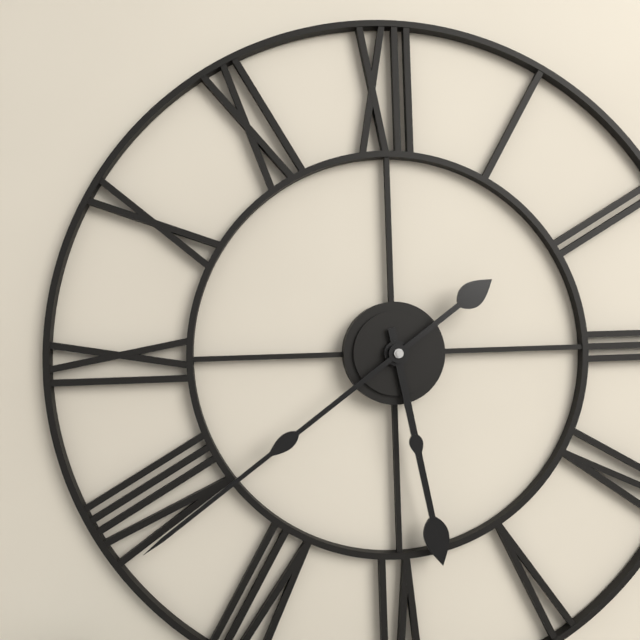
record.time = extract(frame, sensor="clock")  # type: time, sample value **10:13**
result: **5:39**
